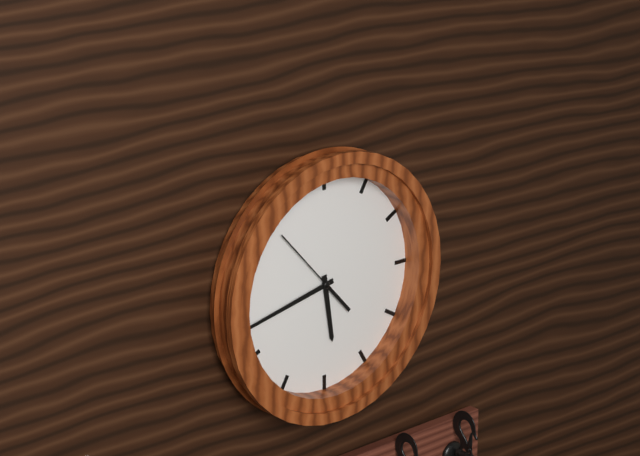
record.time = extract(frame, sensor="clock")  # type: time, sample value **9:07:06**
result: **5:43:53**
